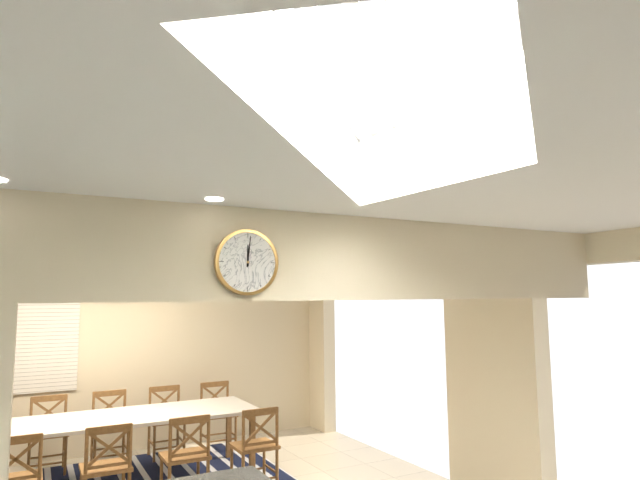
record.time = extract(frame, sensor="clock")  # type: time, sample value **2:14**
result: **12:01**
